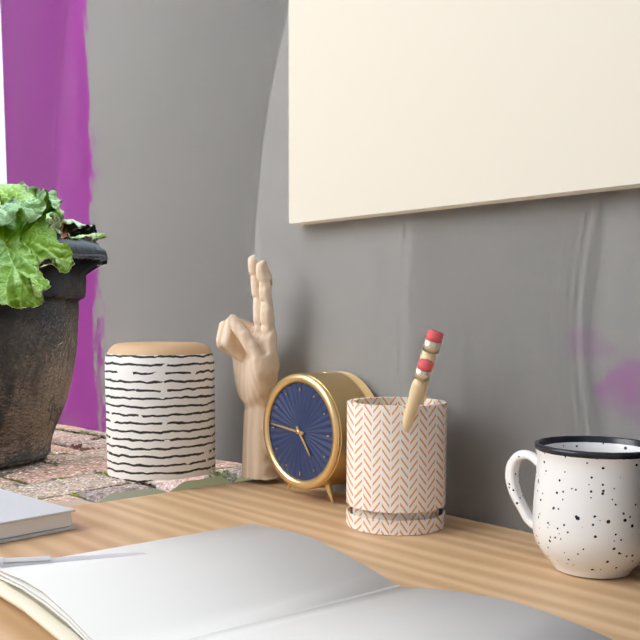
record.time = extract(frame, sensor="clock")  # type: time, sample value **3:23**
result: **4:46**
